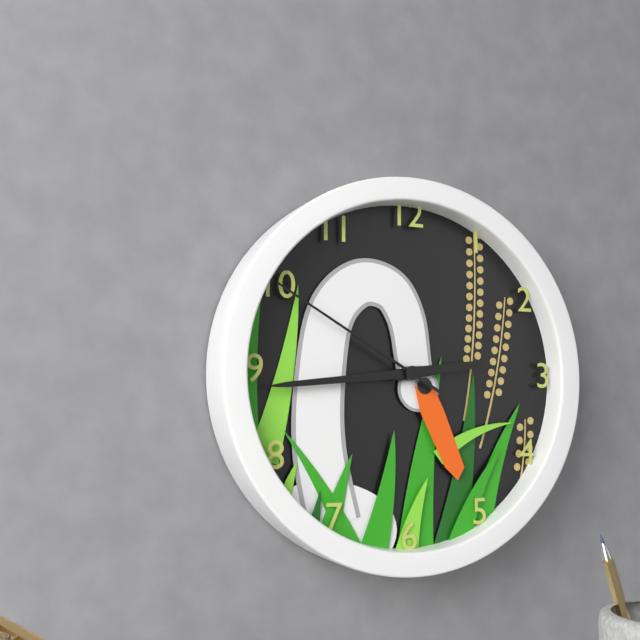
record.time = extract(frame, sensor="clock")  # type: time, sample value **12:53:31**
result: **2:44:50**
